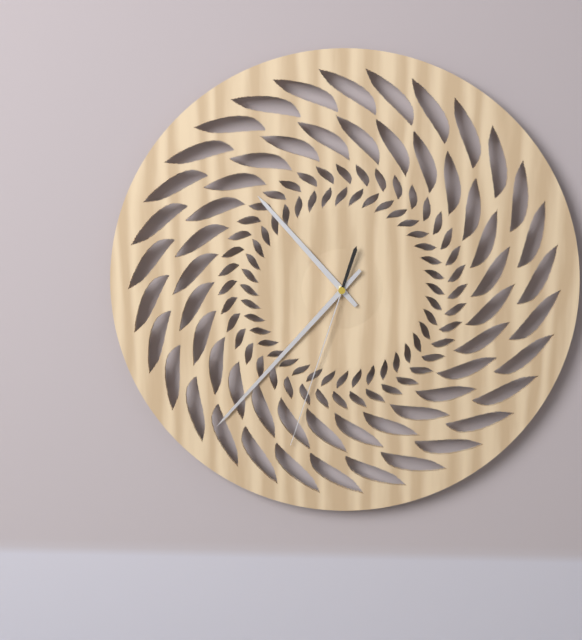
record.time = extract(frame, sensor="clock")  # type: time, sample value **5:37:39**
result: **10:37:33**
